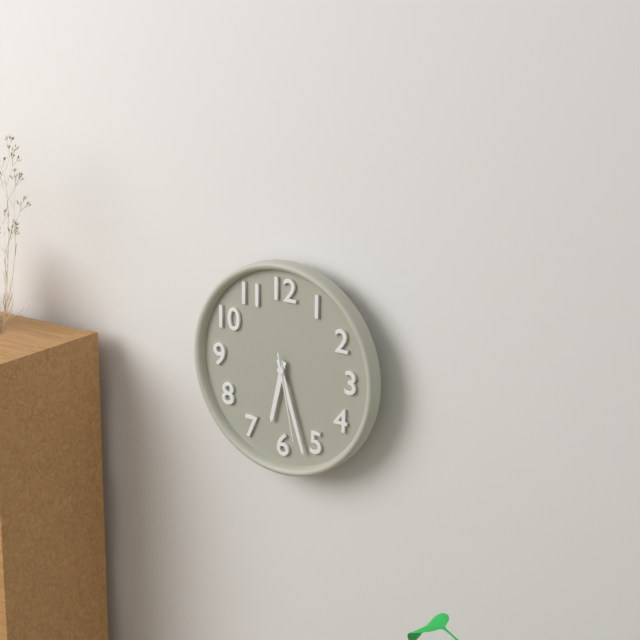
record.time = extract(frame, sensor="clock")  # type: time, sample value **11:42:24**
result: **6:27:28**
